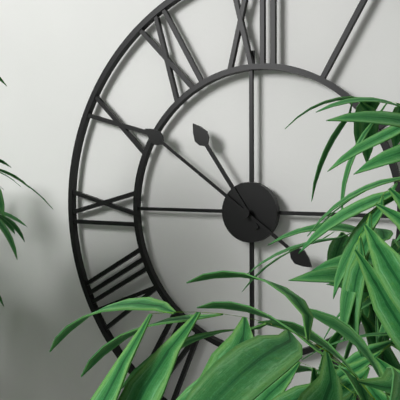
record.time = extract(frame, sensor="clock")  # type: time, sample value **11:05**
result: **10:51**
